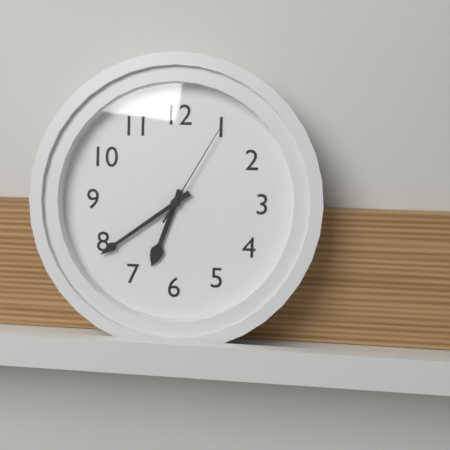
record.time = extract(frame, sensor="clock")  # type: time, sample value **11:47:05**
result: **6:39:05**
